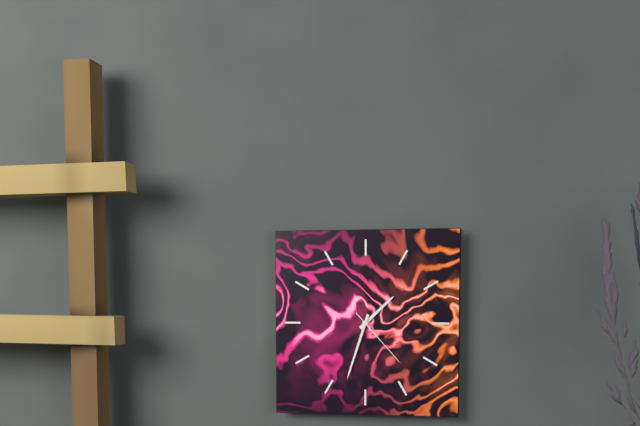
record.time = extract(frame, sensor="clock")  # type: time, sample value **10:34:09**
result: **1:33:23**
